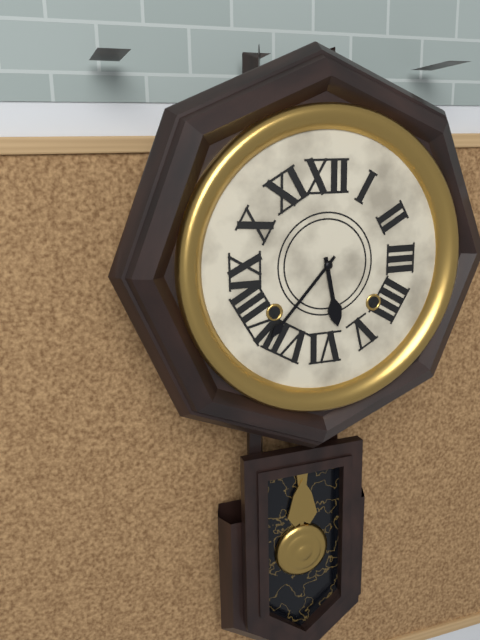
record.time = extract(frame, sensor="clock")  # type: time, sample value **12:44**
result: **5:37**
